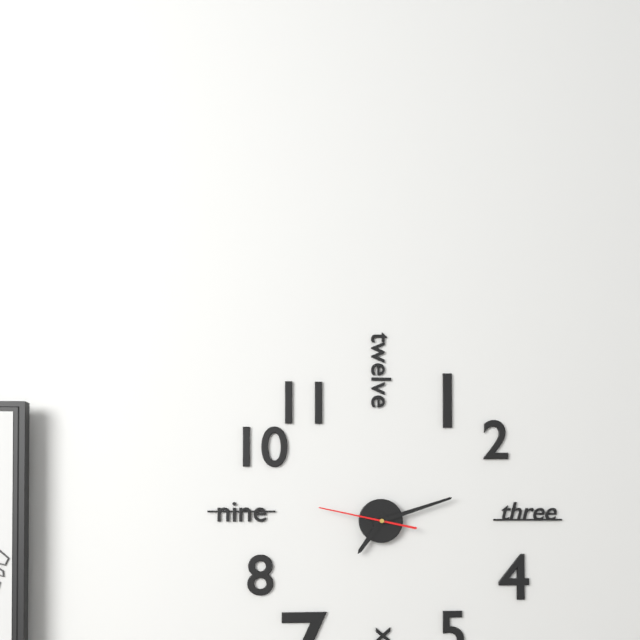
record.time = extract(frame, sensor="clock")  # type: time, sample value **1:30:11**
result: **7:12:47**
